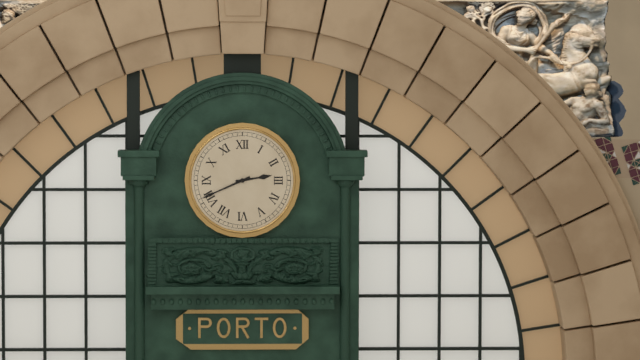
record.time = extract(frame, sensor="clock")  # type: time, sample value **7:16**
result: **2:41**
